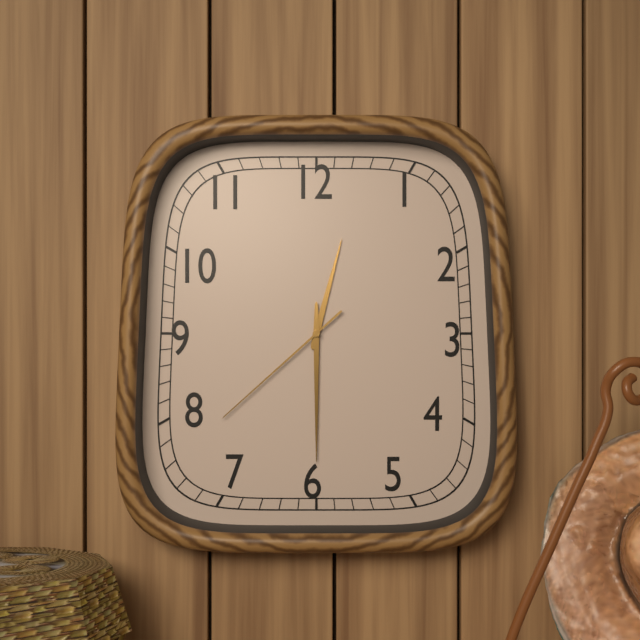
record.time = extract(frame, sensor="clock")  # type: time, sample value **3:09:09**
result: **12:30:38**
